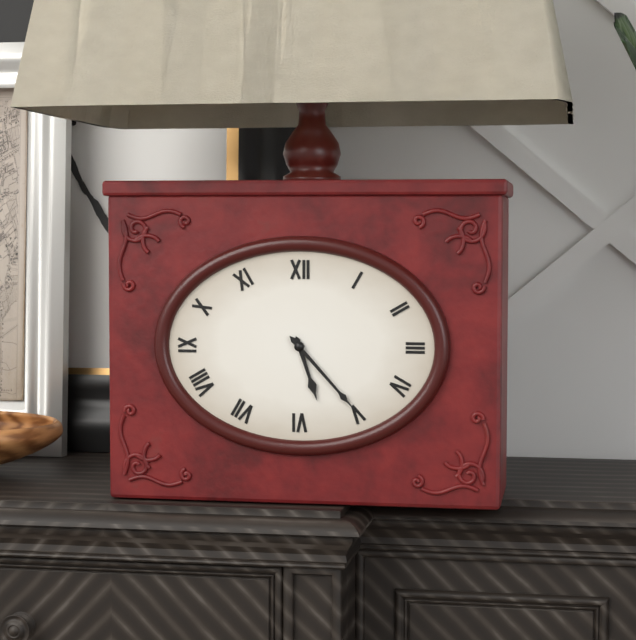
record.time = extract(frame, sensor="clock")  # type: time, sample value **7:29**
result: **5:23**
